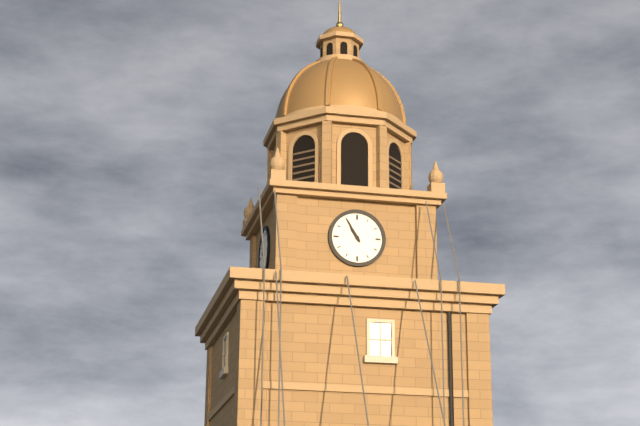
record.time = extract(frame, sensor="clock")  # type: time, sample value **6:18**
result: **10:55**
